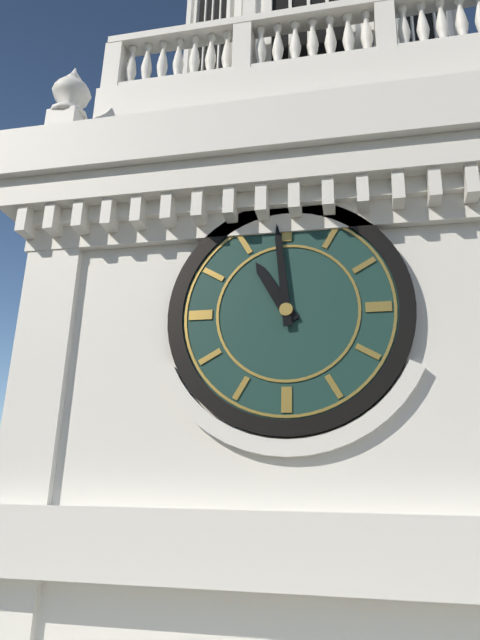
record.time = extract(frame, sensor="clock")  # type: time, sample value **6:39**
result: **10:59**
